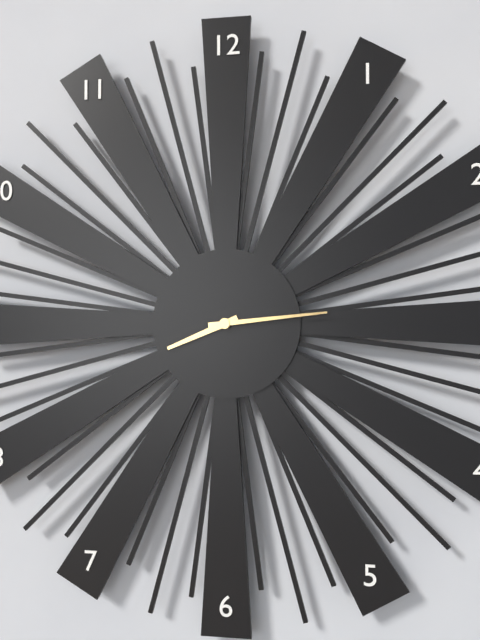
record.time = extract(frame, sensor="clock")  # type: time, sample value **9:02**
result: **8:14**
